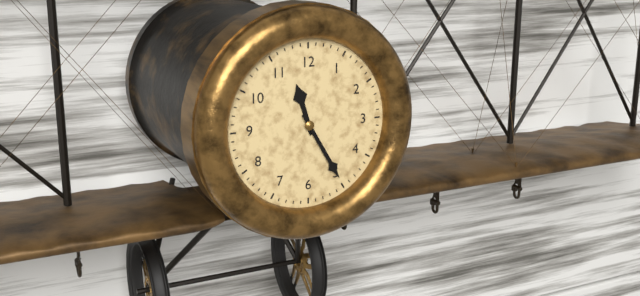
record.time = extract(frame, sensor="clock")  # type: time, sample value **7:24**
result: **11:25**
